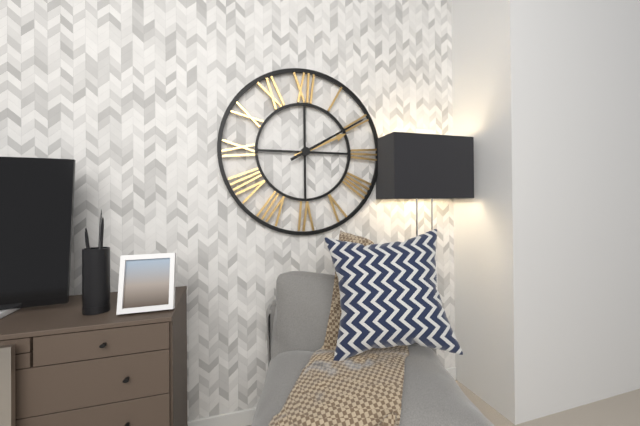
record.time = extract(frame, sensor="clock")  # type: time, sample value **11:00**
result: **2:10**
